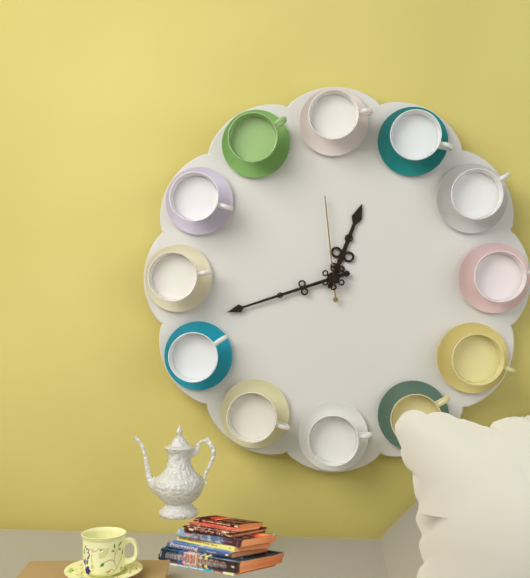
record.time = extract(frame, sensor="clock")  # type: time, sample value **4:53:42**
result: **12:42:59**
